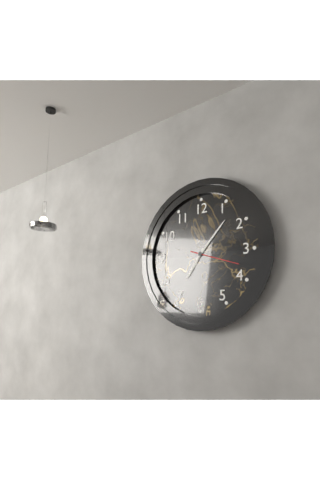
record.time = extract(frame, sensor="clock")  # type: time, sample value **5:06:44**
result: **7:07:18**
